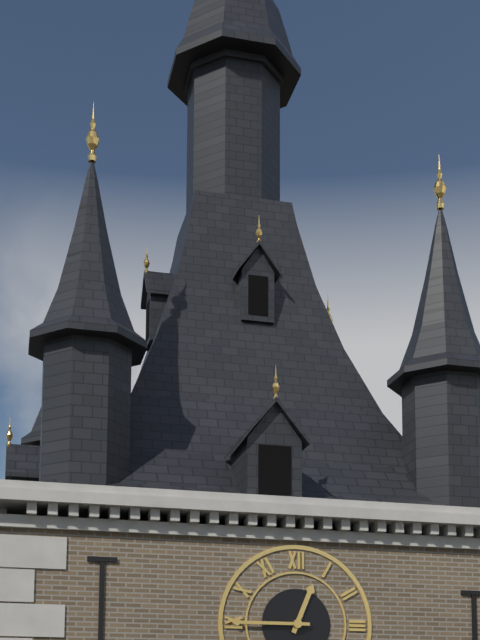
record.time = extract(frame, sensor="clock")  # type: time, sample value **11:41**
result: **12:45**
